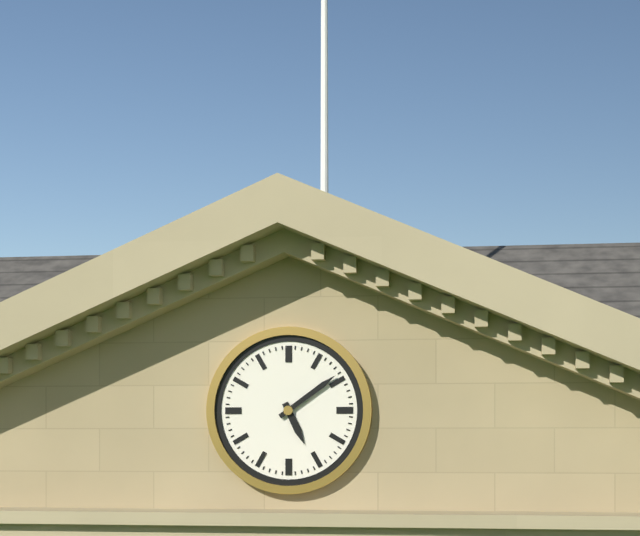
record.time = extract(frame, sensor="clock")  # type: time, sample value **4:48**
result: **5:09**
